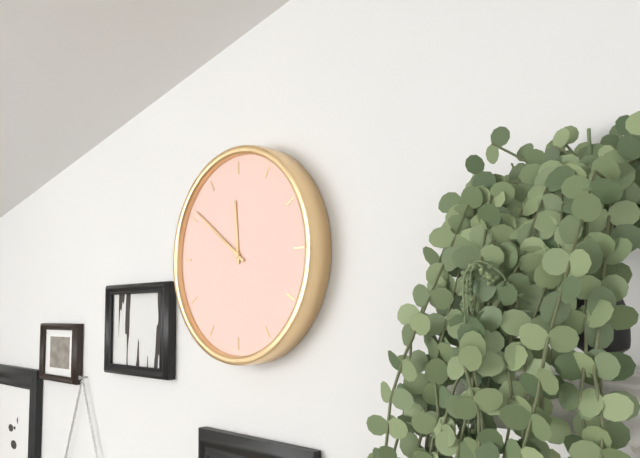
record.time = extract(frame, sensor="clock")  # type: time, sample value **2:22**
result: **11:51**
